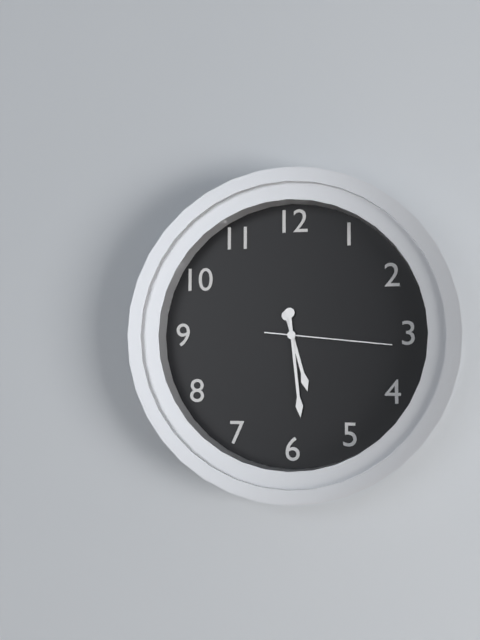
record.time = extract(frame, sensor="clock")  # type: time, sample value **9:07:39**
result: **5:29:16**
